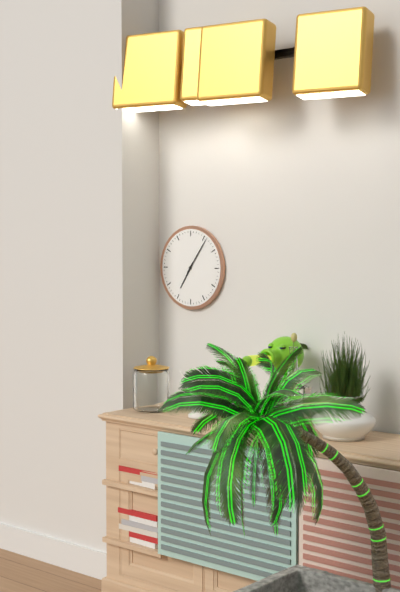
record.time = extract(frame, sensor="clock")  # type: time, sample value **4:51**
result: **7:06**
